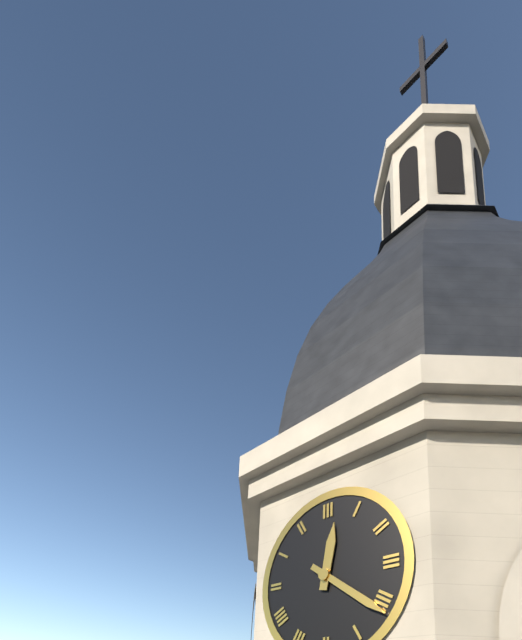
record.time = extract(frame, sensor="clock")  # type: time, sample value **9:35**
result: **12:21**
